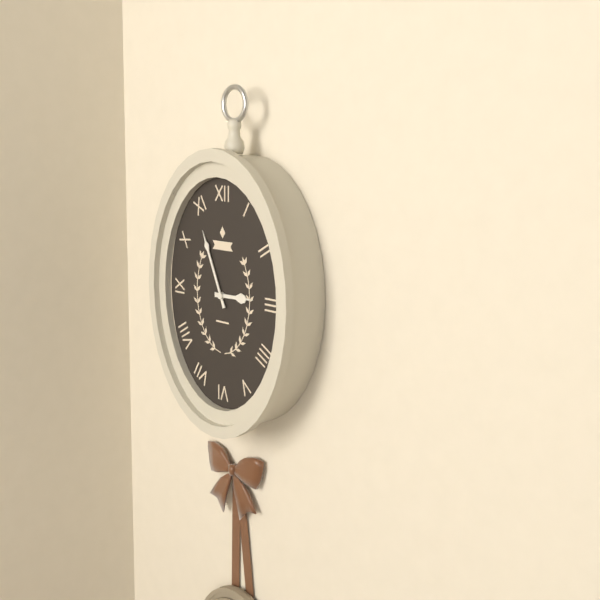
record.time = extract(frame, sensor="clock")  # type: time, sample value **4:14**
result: **2:56**
